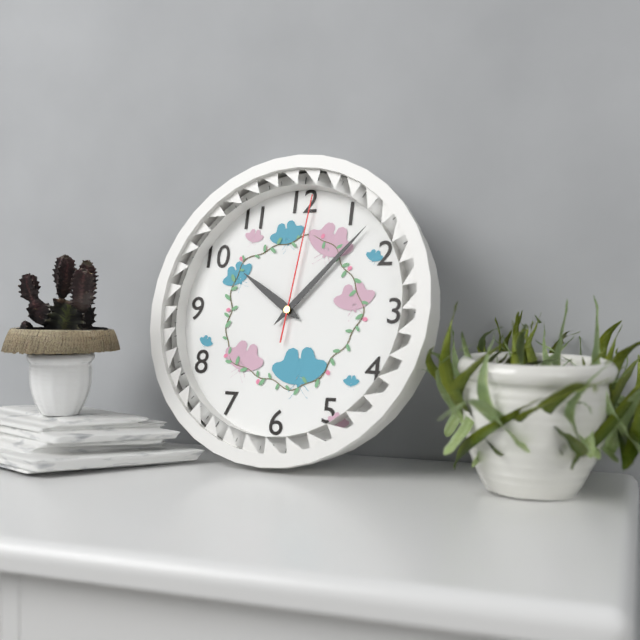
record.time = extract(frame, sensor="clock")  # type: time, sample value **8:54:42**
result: **10:07:01**
